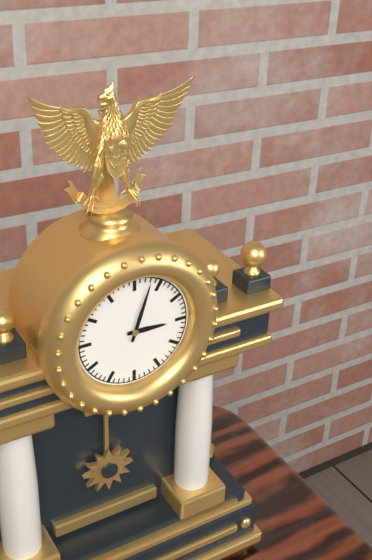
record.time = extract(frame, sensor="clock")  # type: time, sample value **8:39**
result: **3:03**
